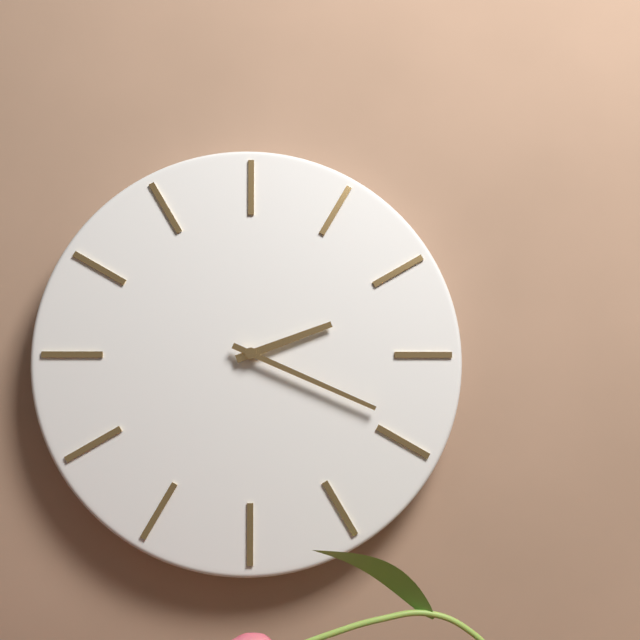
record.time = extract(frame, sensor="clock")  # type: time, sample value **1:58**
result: **2:19**
